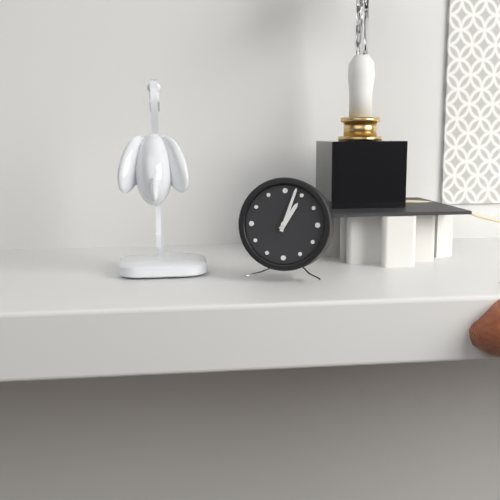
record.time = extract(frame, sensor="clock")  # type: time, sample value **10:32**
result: **1:03**
